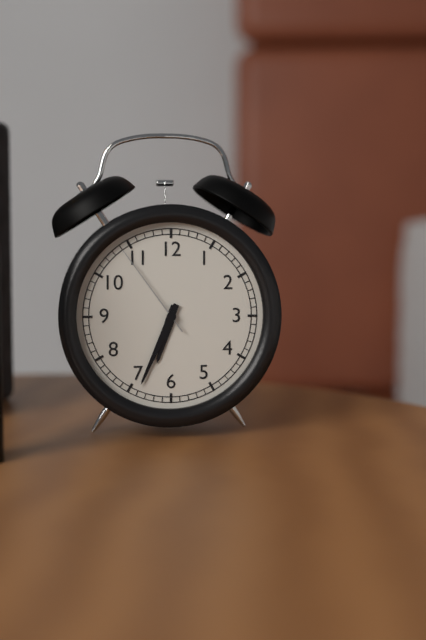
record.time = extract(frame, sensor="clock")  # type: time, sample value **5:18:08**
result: **6:34:54**
